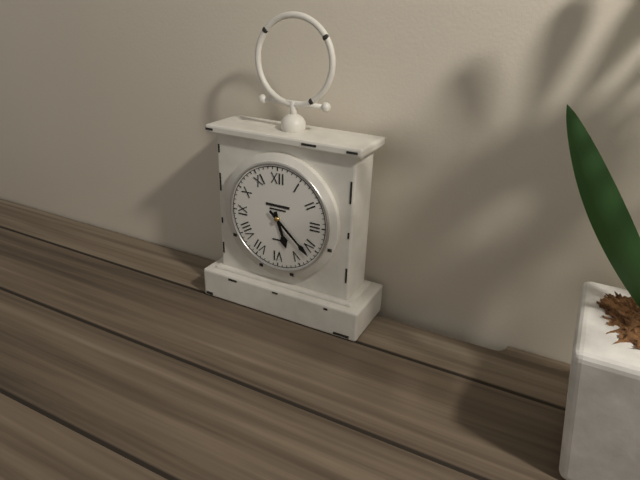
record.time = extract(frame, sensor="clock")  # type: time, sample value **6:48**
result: **5:22**
